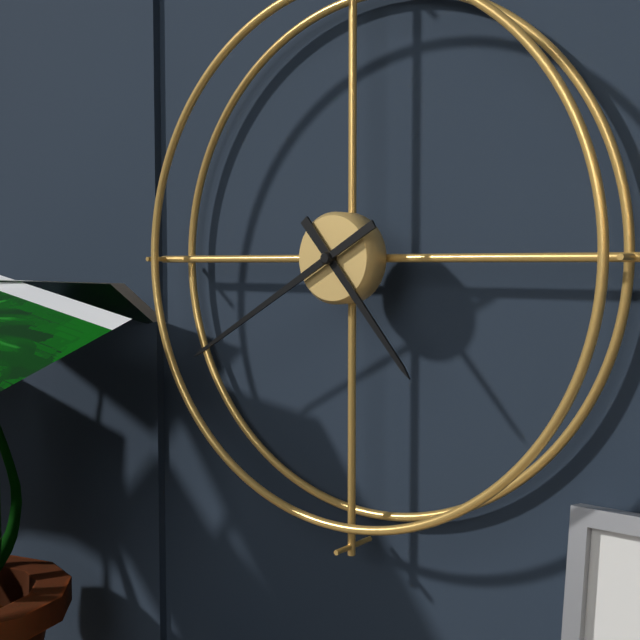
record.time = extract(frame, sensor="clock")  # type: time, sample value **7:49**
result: **4:40**
